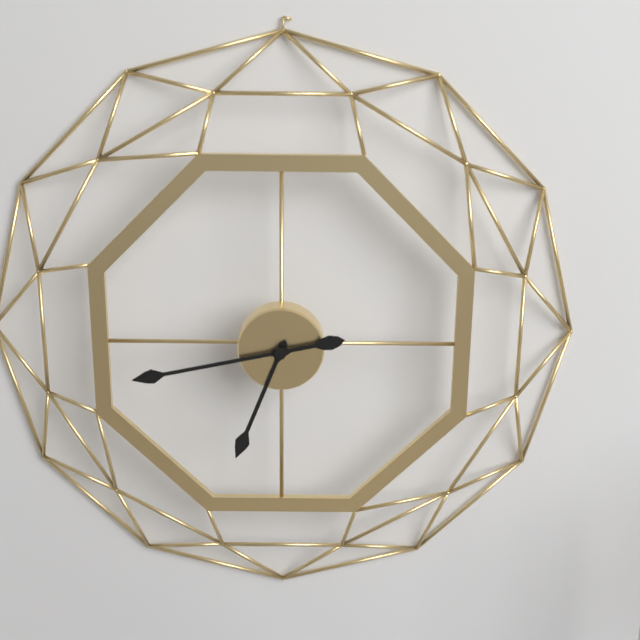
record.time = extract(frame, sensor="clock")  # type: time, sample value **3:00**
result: **6:43**
